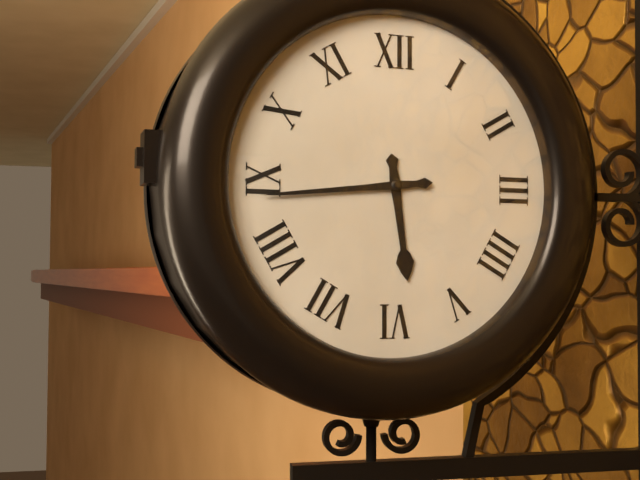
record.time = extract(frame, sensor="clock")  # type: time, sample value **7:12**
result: **5:44**
